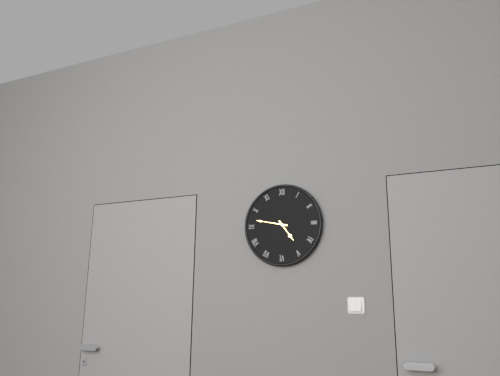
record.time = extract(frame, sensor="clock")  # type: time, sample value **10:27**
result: **4:47**
